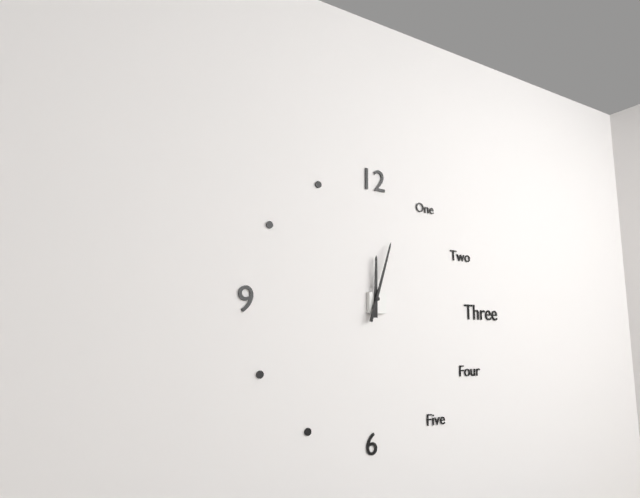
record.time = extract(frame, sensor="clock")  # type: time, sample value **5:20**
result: **12:03**
